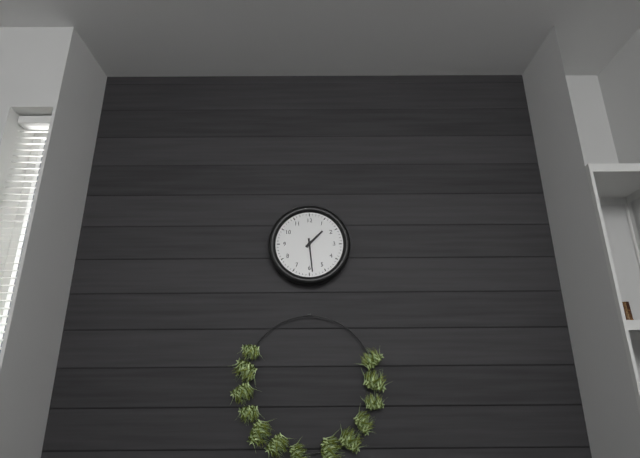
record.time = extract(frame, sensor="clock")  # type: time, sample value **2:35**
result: **1:29**
